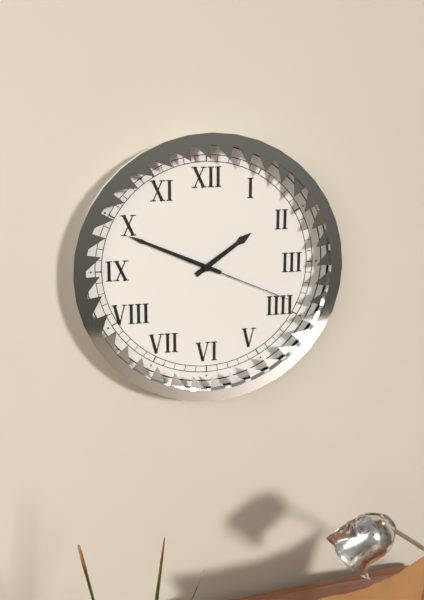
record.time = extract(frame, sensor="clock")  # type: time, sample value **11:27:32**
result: **1:49:19**
